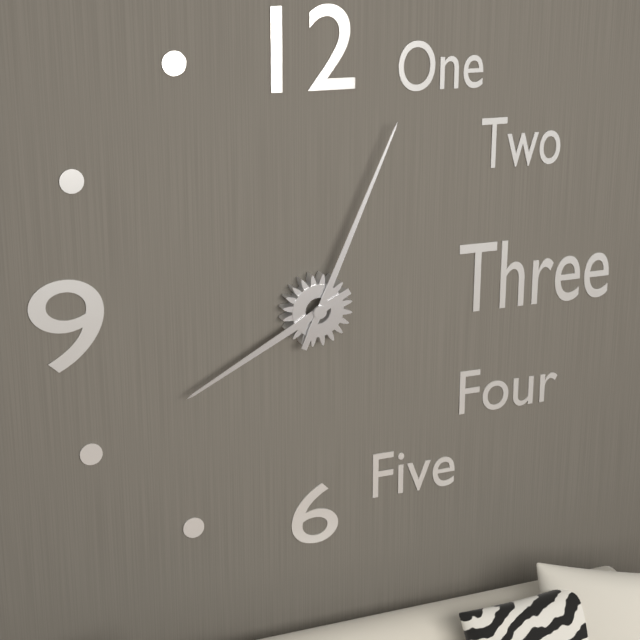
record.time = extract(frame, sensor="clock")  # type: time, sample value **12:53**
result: **8:04**
